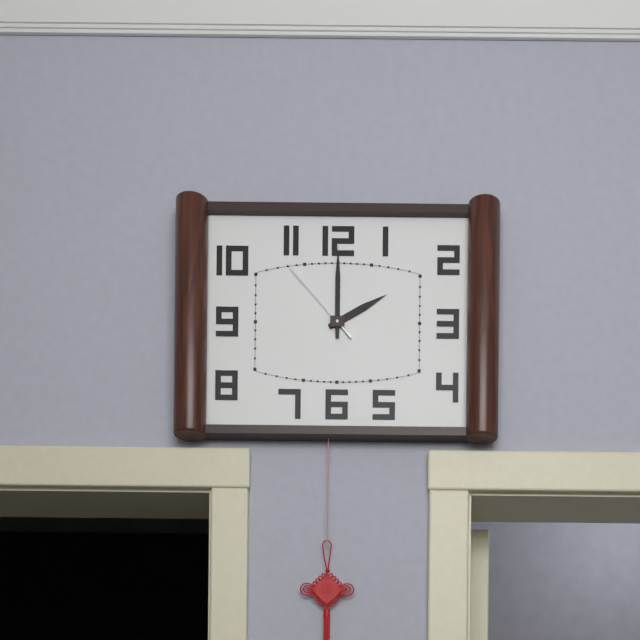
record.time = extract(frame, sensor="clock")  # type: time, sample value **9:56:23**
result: **2:00:53**
